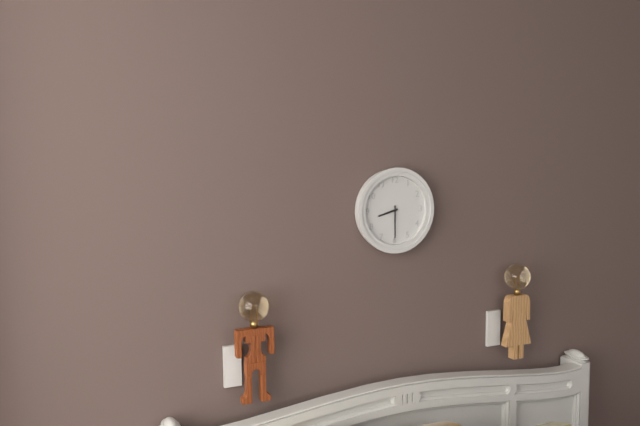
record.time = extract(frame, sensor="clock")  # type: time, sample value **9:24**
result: **8:30**
